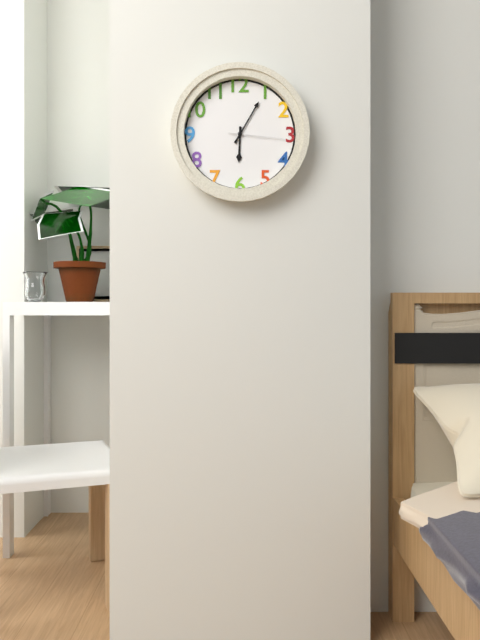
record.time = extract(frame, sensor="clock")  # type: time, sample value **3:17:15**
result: **6:05:16**
